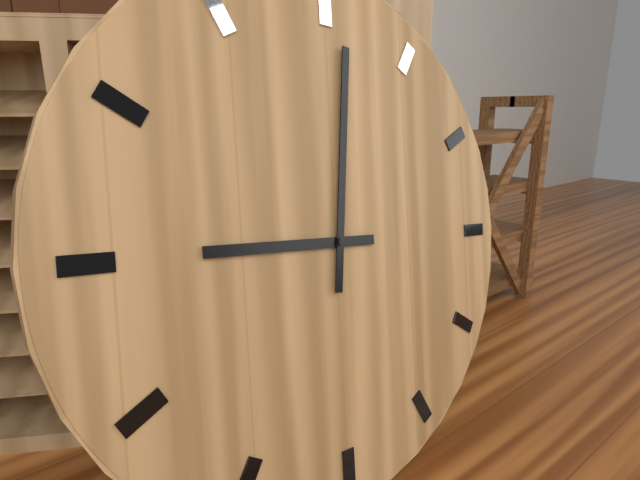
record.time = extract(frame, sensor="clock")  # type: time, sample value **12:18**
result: **9:01**
